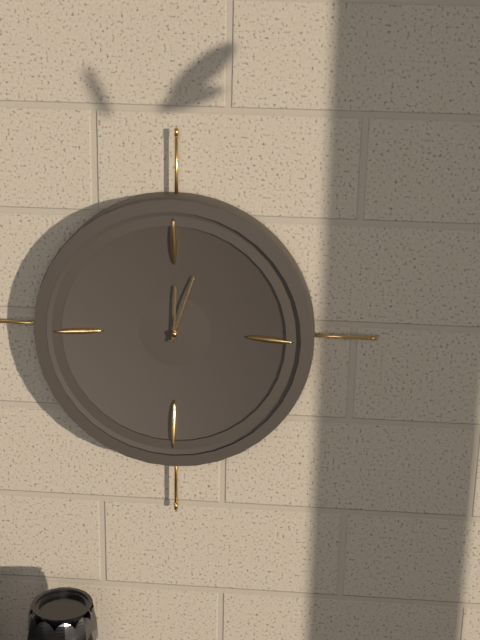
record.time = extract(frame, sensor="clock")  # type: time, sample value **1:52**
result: **12:03**
